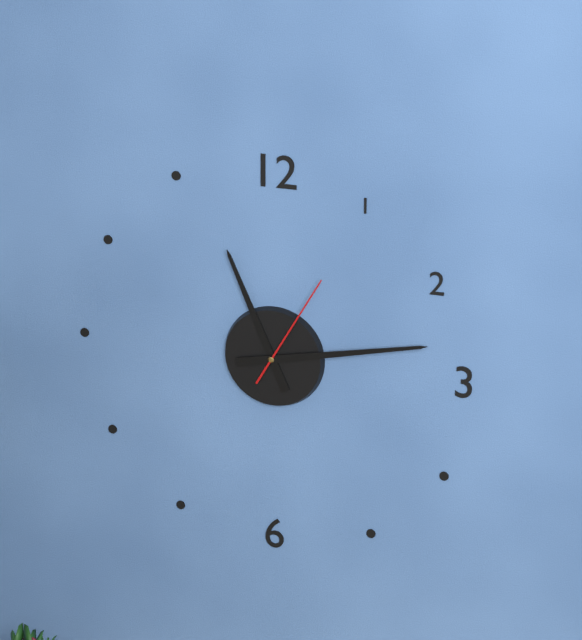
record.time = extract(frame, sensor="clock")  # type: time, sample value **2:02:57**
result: **11:13:05**
